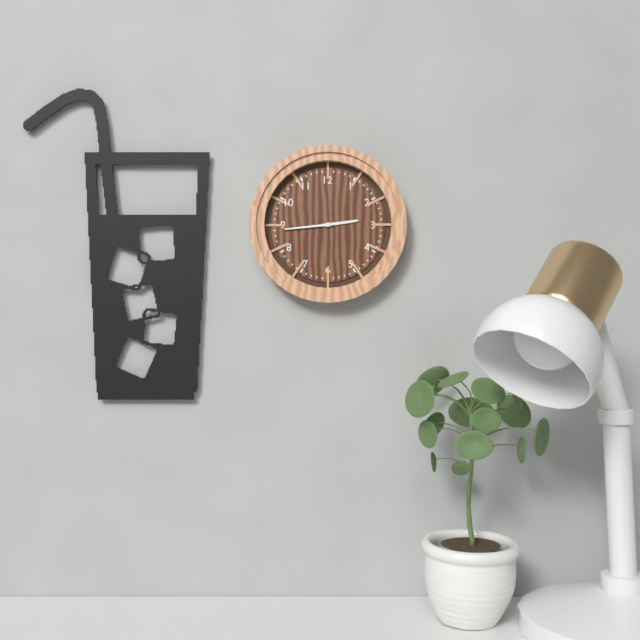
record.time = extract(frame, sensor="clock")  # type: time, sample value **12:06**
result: **2:44**
